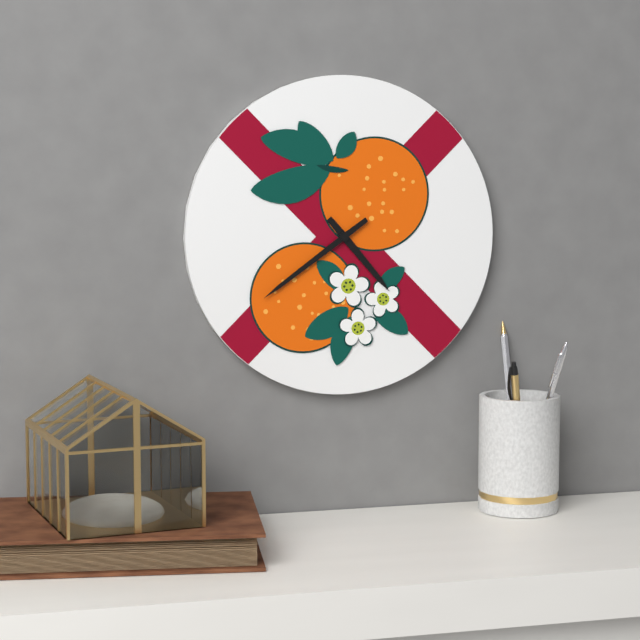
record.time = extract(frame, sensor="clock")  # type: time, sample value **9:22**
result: **4:39**
